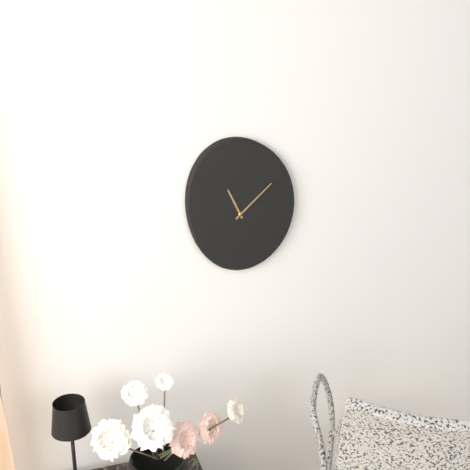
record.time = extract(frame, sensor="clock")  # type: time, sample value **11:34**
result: **11:08**
